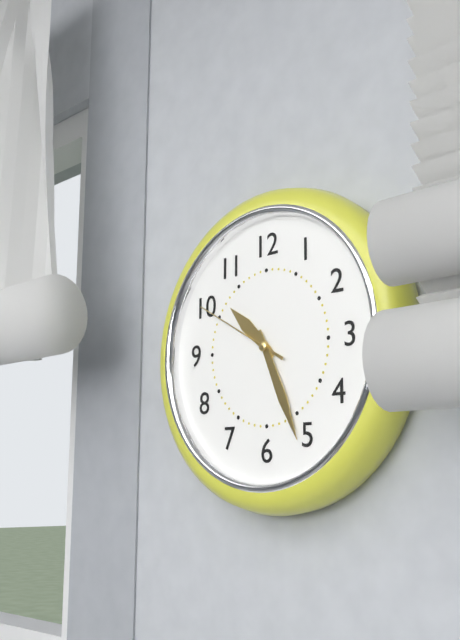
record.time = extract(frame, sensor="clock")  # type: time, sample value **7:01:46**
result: **10:26:50**
